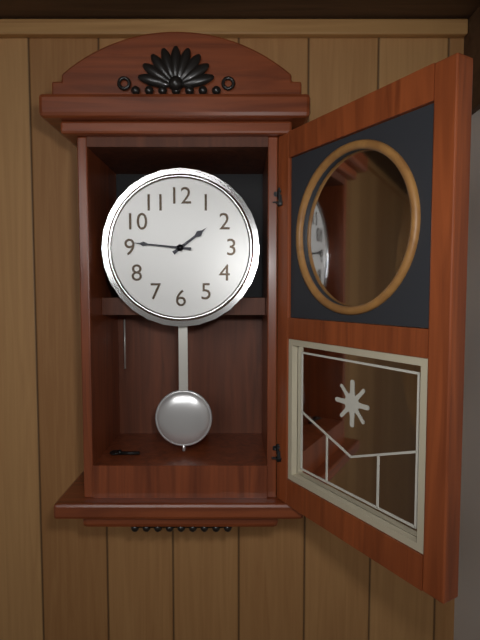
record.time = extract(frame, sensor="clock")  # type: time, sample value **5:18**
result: **1:46**
